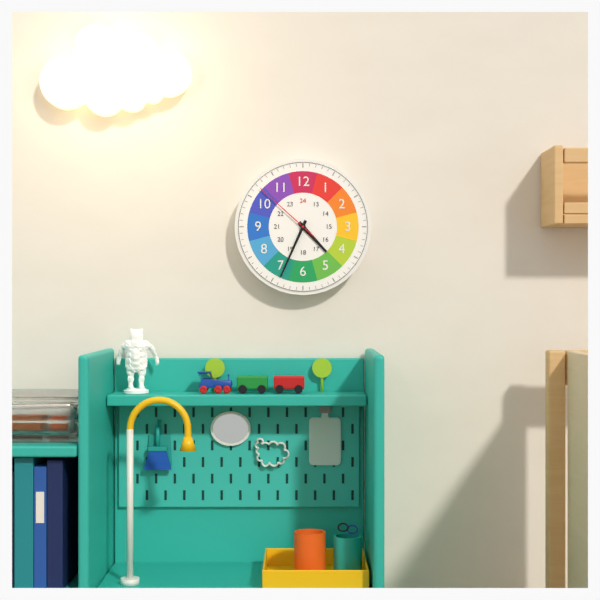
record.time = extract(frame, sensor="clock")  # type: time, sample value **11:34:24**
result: **4:34:52**
